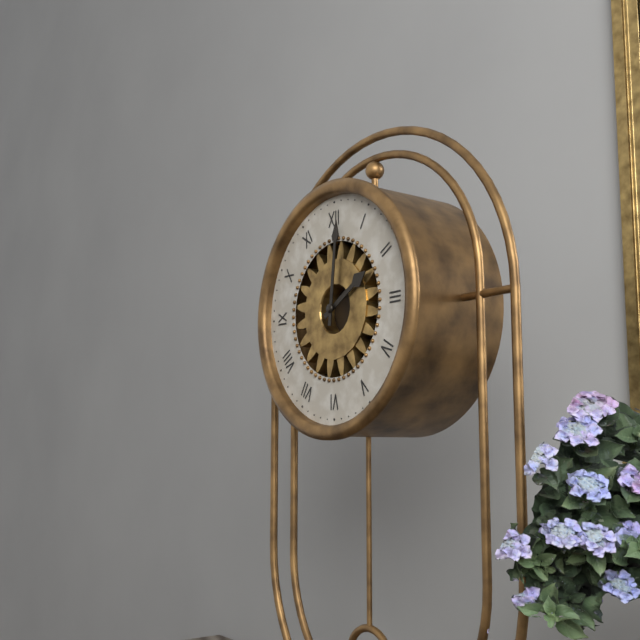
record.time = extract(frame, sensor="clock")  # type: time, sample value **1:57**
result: **2:01**
